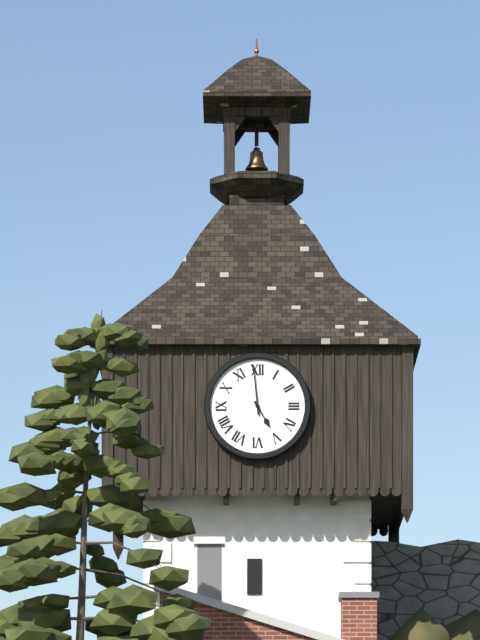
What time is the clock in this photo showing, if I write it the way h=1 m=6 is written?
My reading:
h=4 m=59
